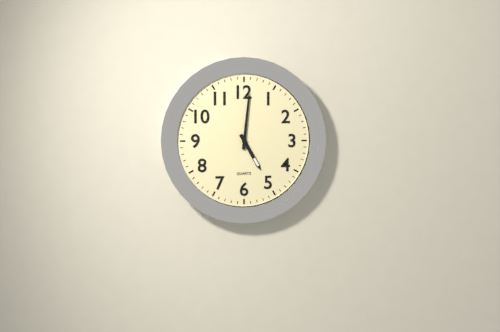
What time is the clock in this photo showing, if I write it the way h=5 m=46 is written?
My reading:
h=5 m=1
